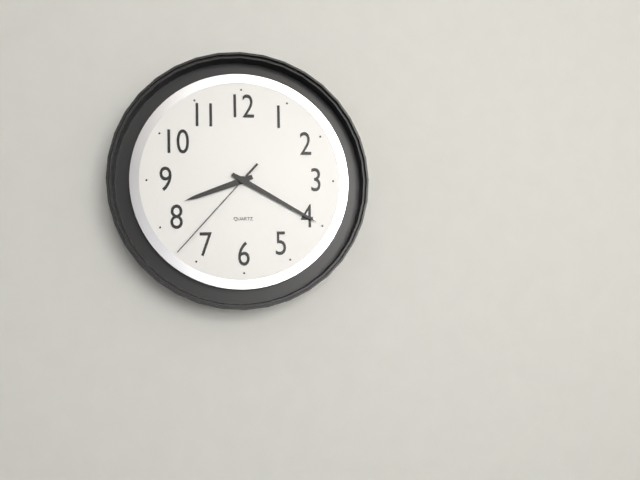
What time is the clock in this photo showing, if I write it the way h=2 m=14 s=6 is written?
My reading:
h=8 m=20 s=37
